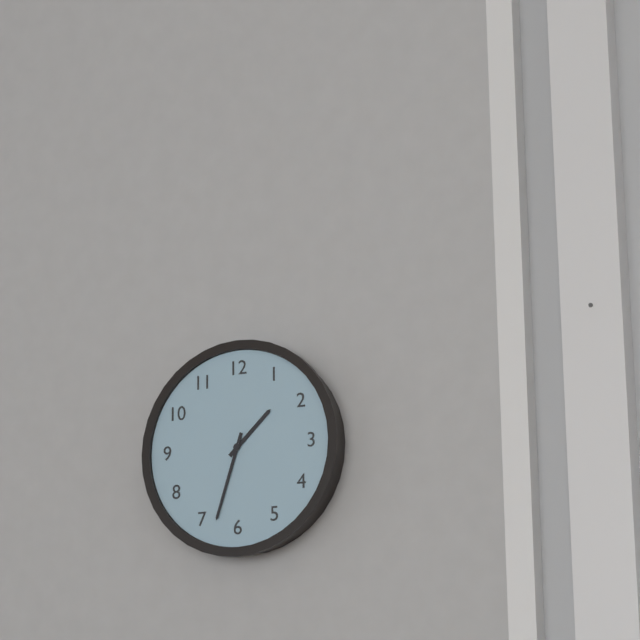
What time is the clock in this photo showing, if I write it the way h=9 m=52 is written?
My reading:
h=1 m=33
